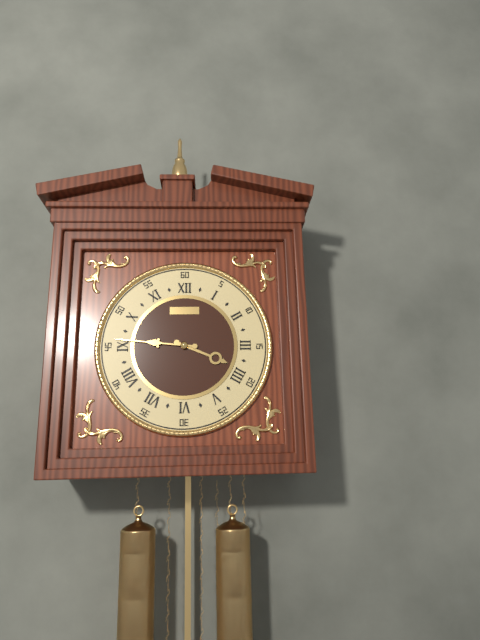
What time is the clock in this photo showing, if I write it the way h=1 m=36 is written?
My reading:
h=3 m=46
